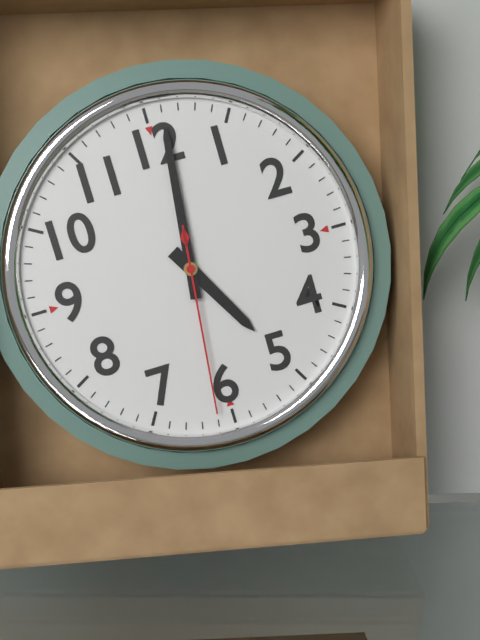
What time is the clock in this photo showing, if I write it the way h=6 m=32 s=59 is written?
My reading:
h=5 m=1 s=31
